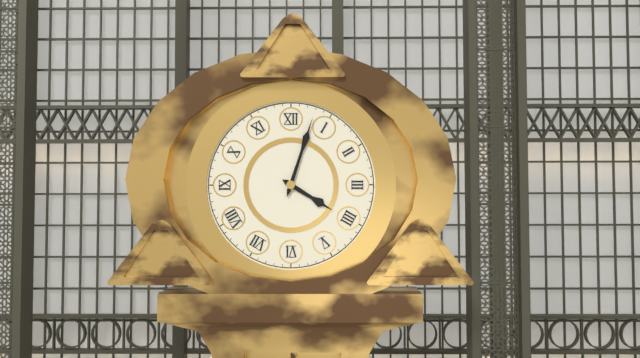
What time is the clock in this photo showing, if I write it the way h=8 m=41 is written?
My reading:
h=4 m=3
